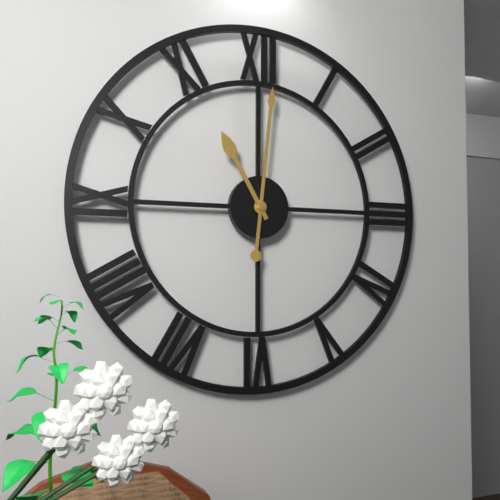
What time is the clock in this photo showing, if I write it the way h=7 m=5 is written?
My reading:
h=11 m=1
